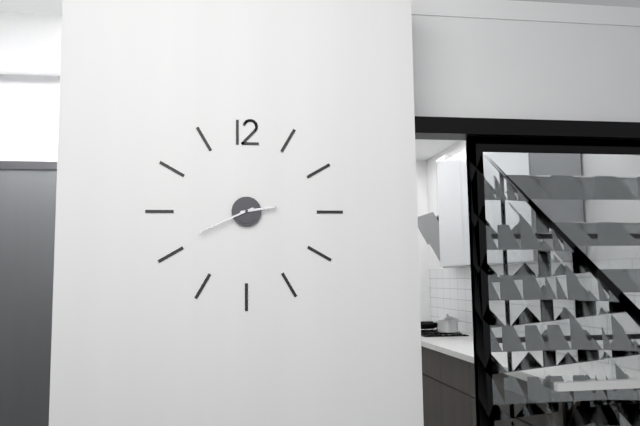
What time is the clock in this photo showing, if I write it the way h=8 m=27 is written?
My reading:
h=2 m=41
